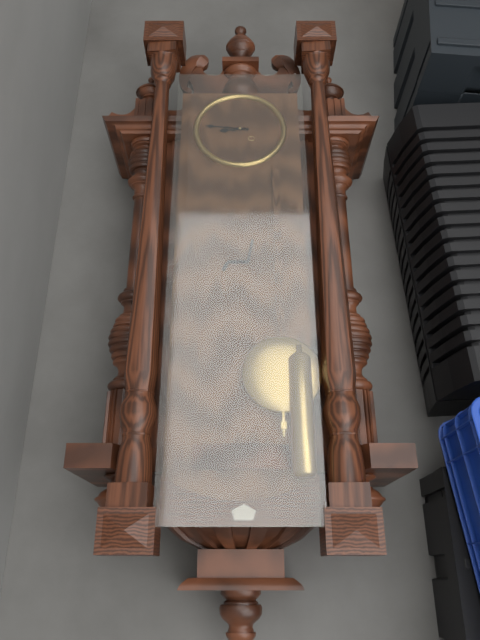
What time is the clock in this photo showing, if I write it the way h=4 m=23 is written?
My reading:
h=8 m=46
